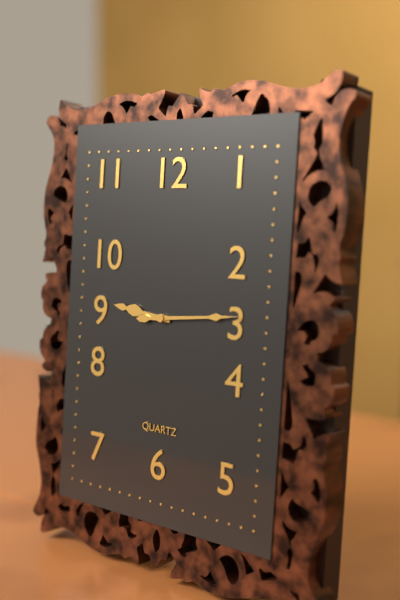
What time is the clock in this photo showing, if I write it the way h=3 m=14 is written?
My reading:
h=9 m=14
